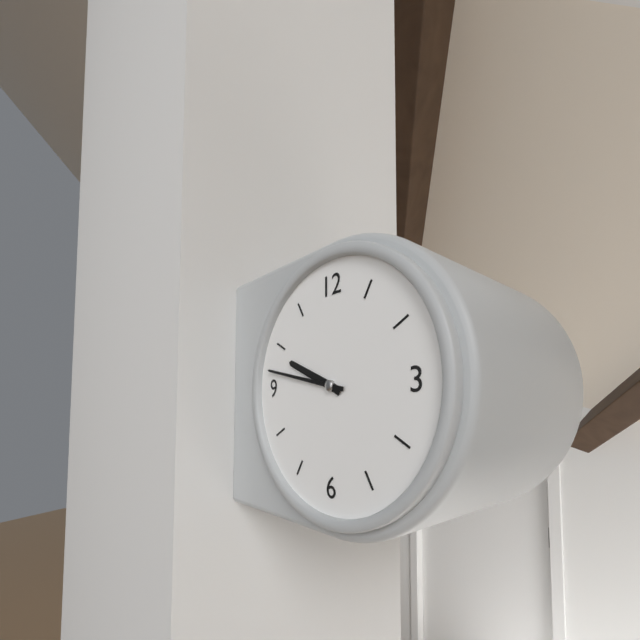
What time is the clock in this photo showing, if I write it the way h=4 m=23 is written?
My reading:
h=9 m=47
